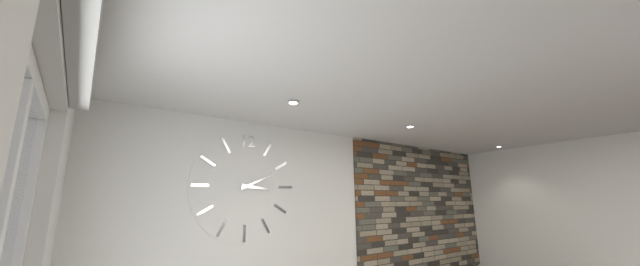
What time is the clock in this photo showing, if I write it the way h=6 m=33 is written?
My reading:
h=3 m=11
